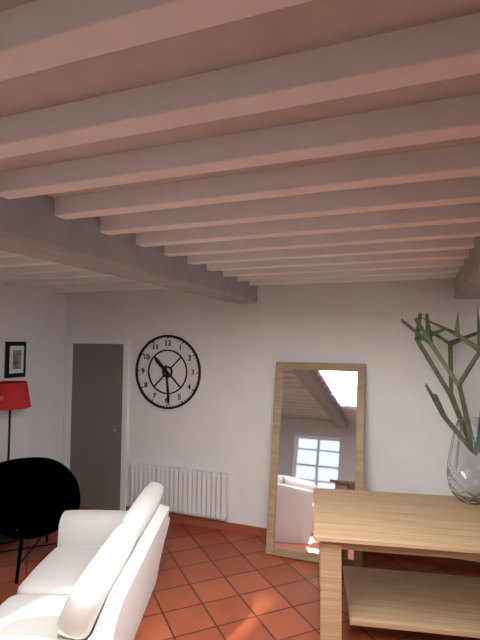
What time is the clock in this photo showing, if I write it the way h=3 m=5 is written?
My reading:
h=10 m=29
